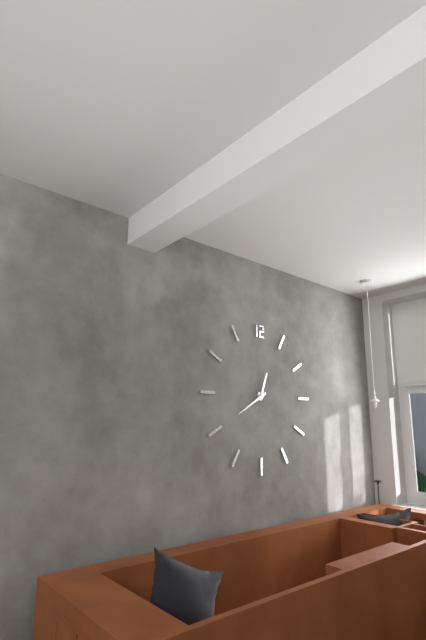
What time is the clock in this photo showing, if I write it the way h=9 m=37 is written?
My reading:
h=12 m=40
